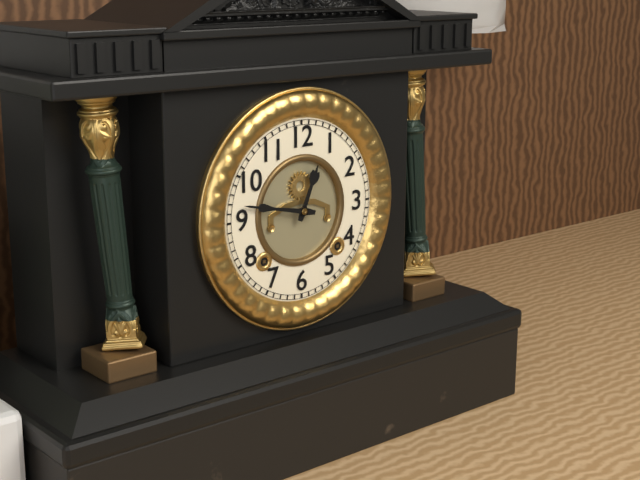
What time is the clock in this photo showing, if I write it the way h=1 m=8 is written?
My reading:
h=12 m=47
